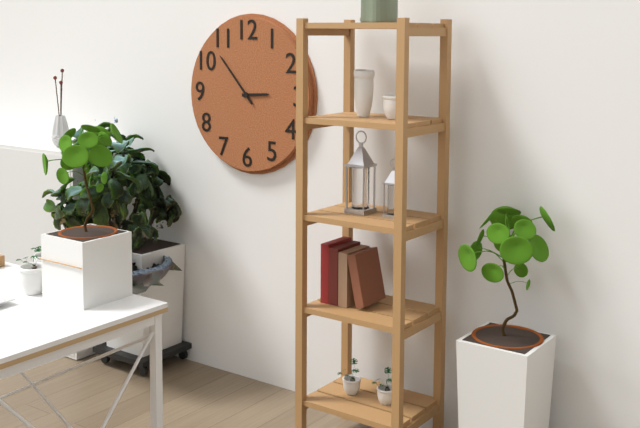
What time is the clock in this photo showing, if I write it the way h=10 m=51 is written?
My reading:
h=2 m=53
